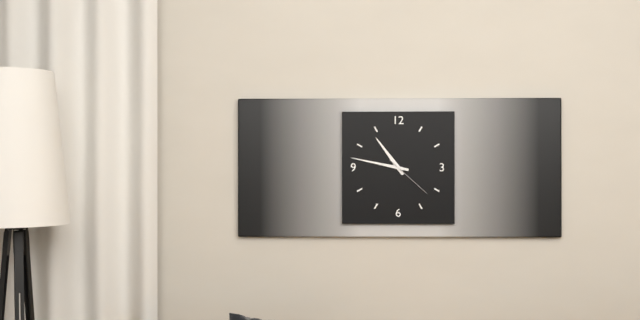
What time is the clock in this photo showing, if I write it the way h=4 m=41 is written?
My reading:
h=10 m=47
